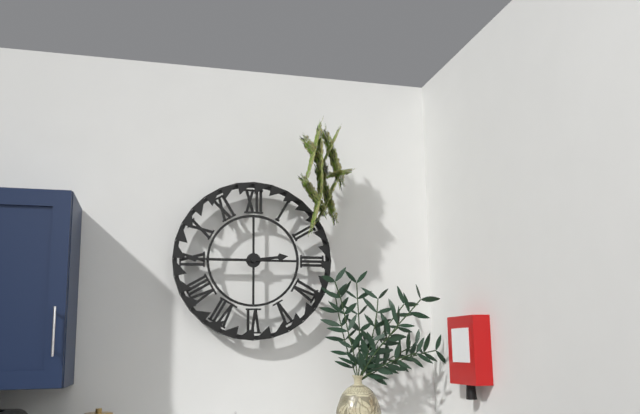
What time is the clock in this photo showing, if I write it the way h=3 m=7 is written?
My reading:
h=2 m=45
